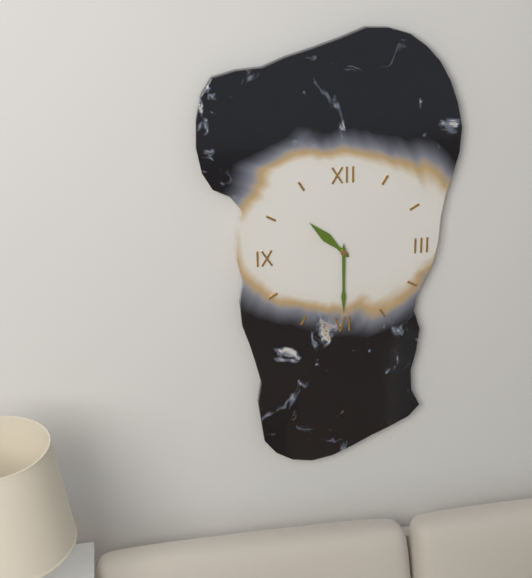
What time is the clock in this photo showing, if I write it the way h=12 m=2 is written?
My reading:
h=10 m=30
